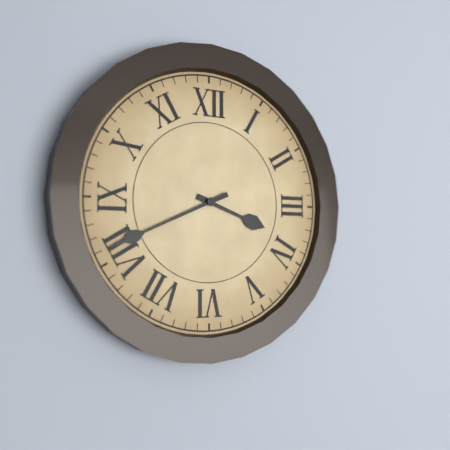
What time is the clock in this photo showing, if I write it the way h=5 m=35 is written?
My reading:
h=3 m=41
